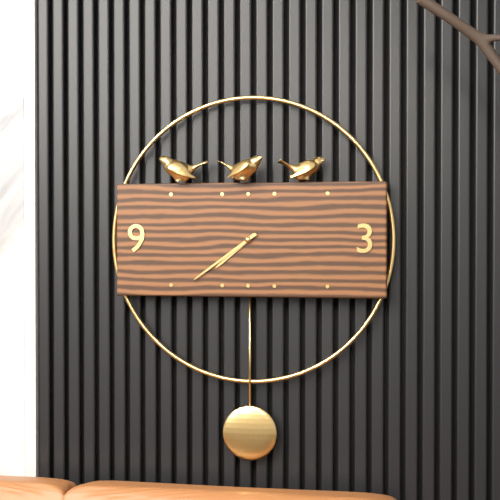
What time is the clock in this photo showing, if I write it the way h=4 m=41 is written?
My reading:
h=7 m=39
